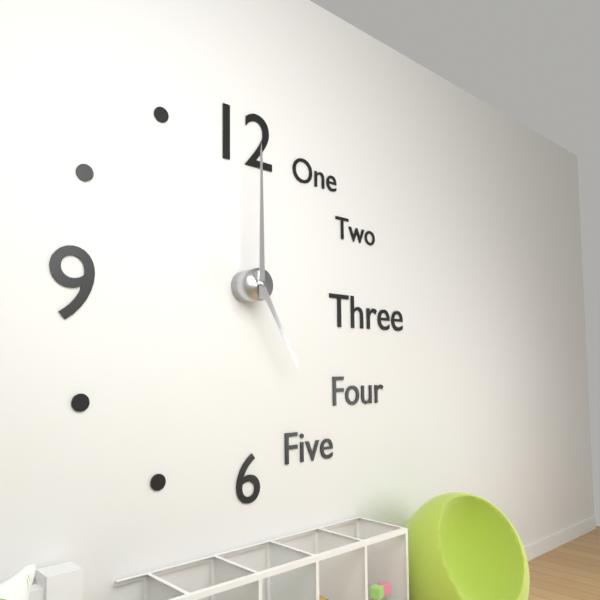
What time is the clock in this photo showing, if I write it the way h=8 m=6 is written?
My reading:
h=5 m=0
